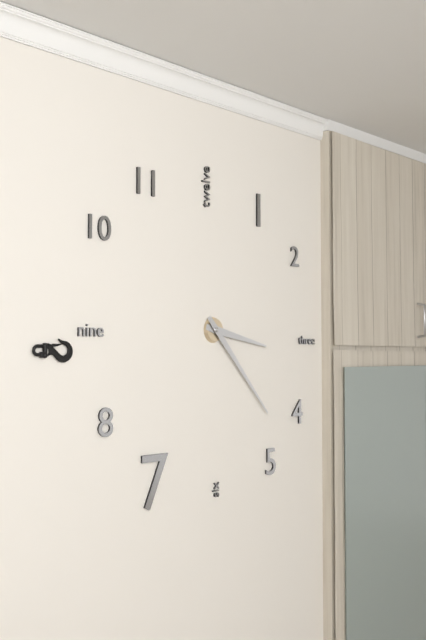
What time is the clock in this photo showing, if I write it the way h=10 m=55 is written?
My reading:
h=3 m=23
